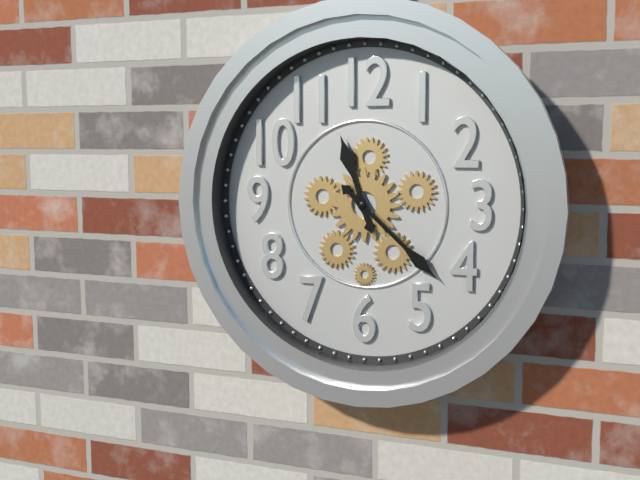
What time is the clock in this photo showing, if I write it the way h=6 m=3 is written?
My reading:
h=11 m=22
